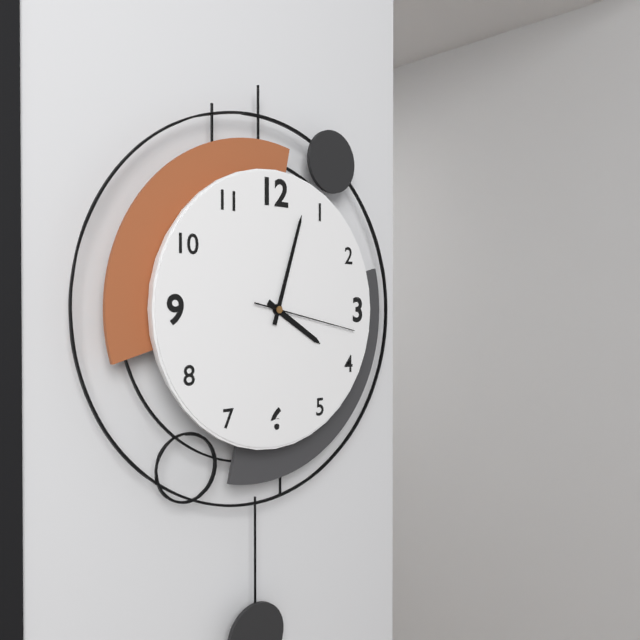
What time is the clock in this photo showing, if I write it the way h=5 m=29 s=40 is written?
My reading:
h=4 m=3 s=17
